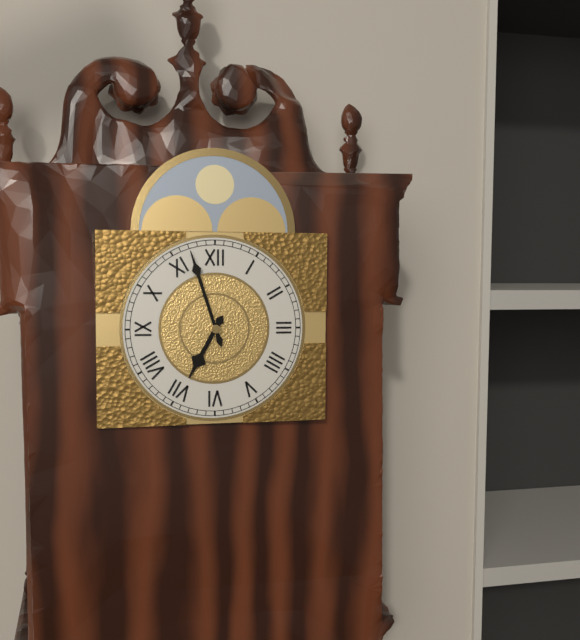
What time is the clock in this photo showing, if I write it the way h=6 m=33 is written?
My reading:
h=6 m=57
